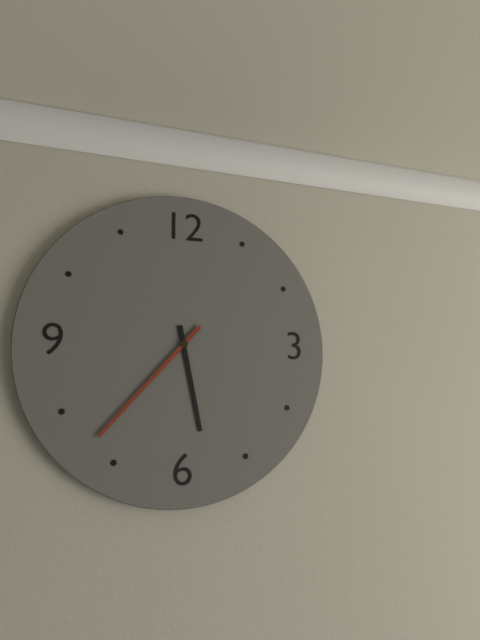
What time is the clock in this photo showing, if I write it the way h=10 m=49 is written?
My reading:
h=5 m=37
